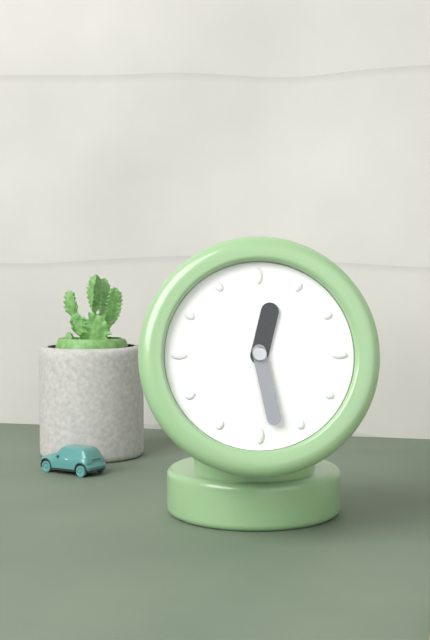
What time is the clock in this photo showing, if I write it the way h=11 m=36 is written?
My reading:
h=12 m=28
